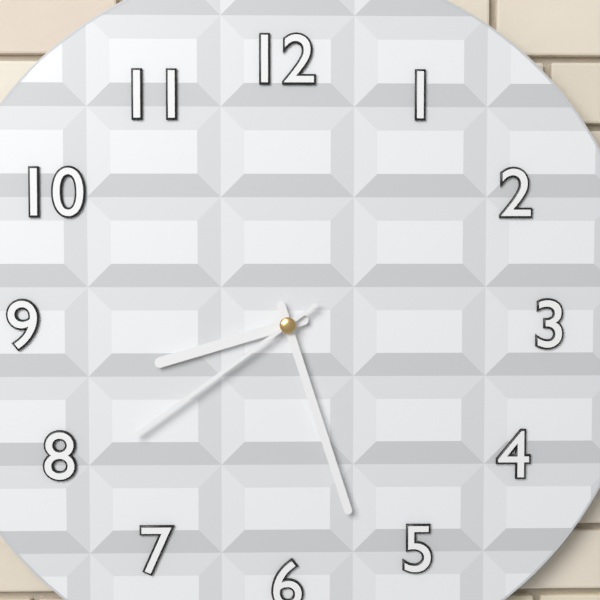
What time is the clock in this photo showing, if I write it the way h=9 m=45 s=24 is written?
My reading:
h=8 m=27 s=39
